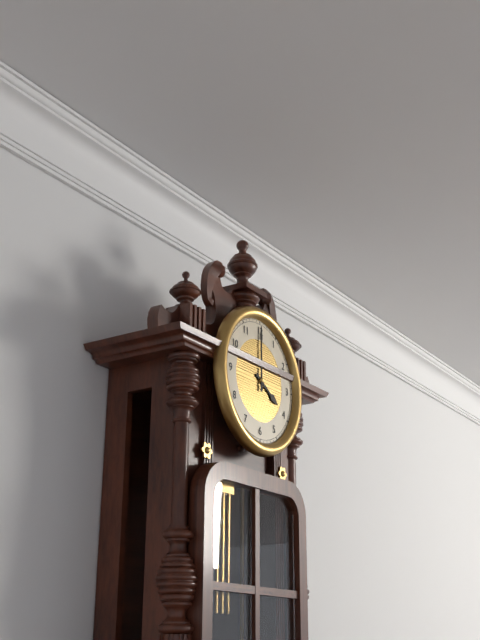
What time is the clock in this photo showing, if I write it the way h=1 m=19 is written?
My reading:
h=4 m=0
